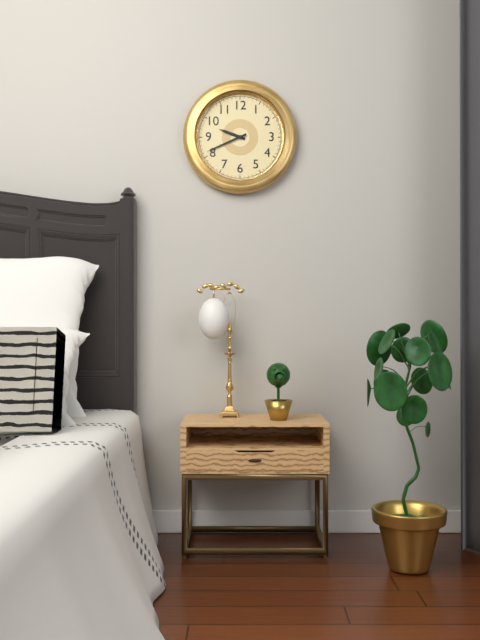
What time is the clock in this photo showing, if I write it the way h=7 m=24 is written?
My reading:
h=9 m=41
